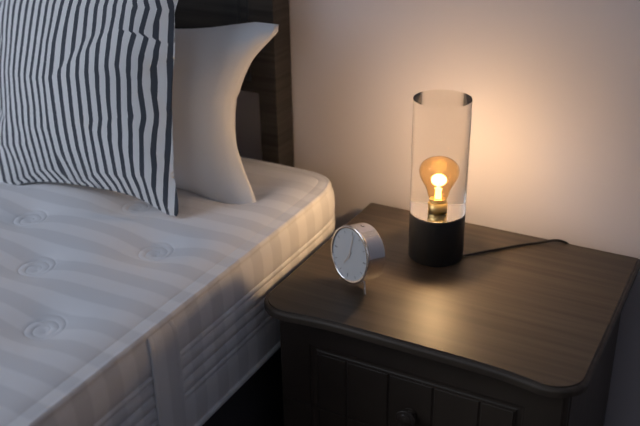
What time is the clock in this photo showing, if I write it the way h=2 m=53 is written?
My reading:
h=7 m=1
